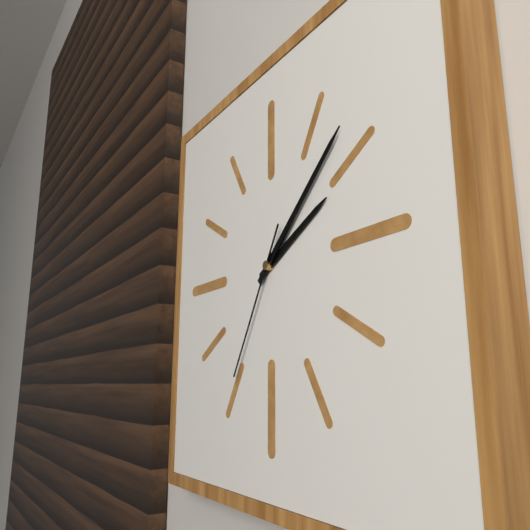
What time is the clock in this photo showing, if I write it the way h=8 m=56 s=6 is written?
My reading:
h=2 m=8 s=35
